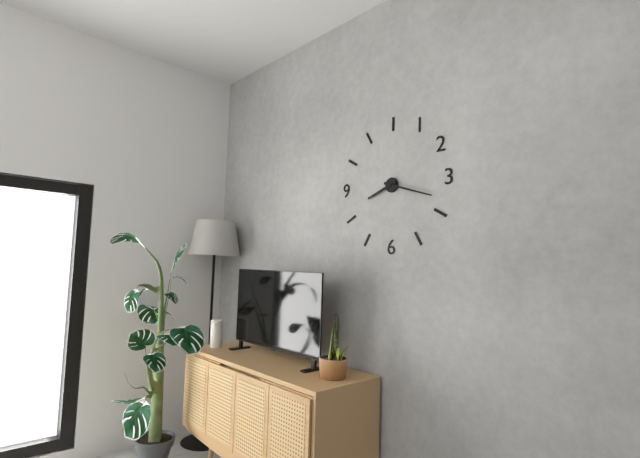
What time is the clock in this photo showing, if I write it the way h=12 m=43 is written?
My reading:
h=8 m=18
